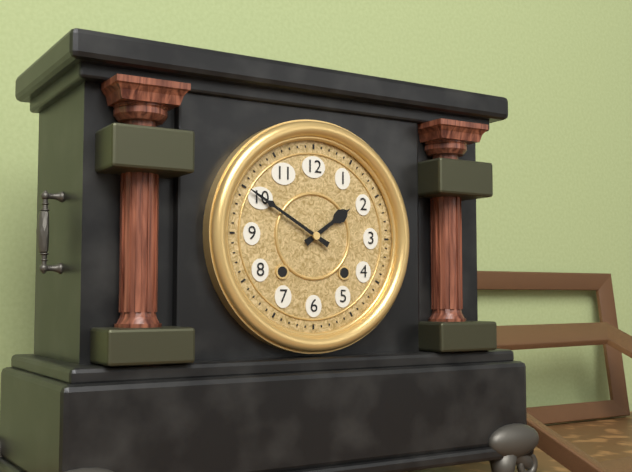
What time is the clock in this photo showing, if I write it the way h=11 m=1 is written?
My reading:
h=1 m=50
